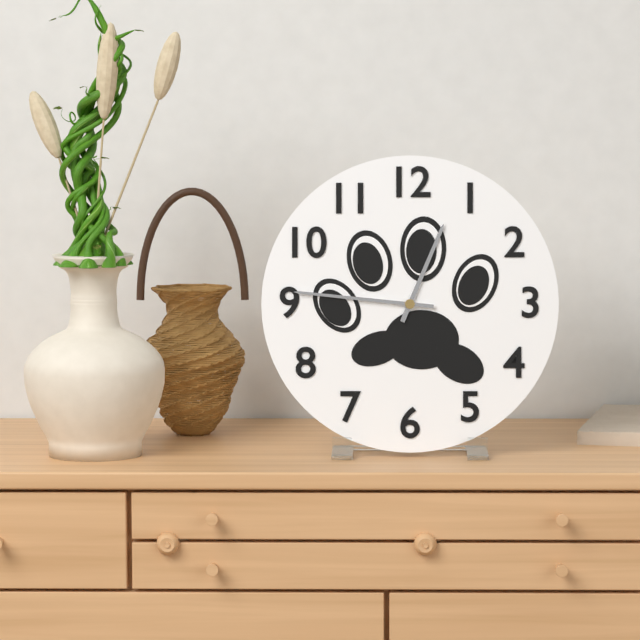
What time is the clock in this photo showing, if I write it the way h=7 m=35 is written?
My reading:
h=12 m=46
